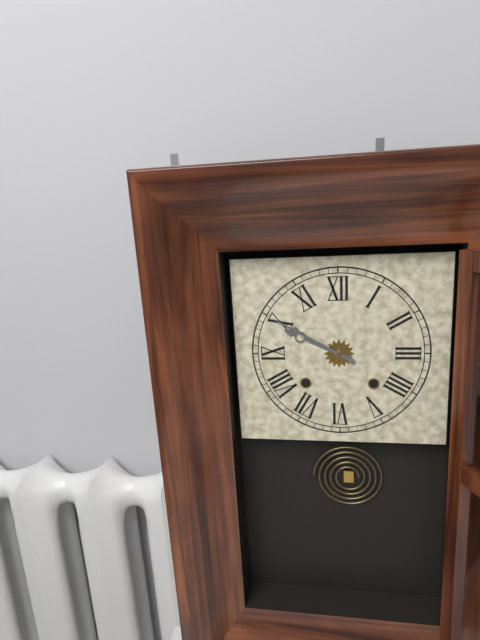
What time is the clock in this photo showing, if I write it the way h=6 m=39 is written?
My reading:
h=9 m=50
